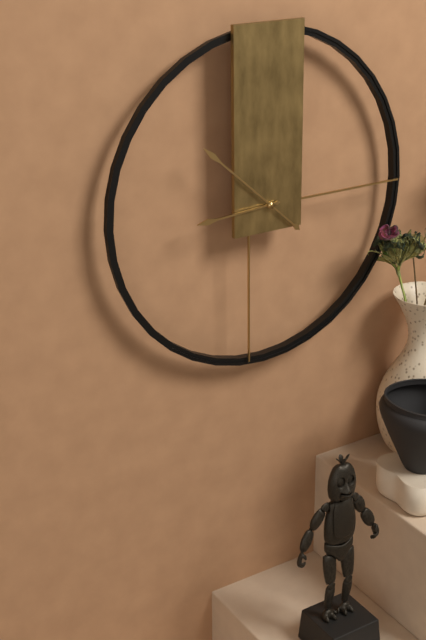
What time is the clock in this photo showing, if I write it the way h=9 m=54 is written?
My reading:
h=8 m=52
